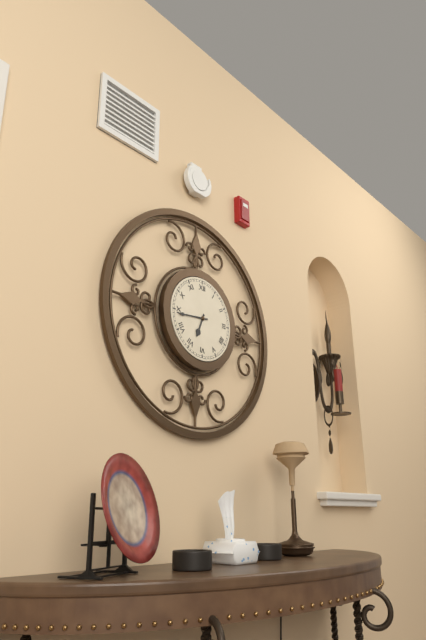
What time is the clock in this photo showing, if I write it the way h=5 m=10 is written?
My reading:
h=6 m=44
